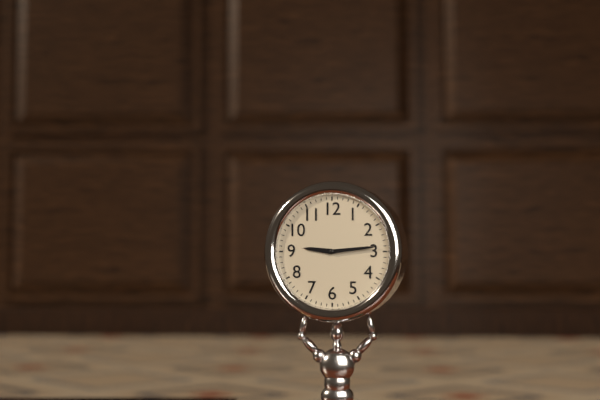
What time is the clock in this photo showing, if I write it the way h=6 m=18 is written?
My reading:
h=9 m=14
